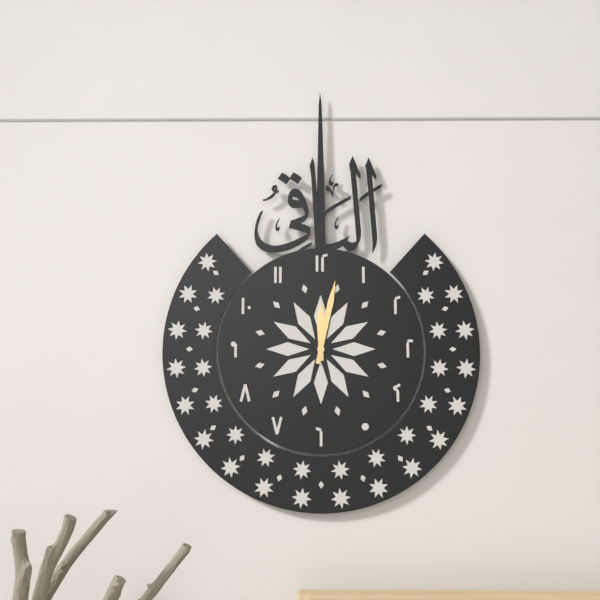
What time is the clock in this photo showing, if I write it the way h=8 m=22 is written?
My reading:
h=12 m=2
